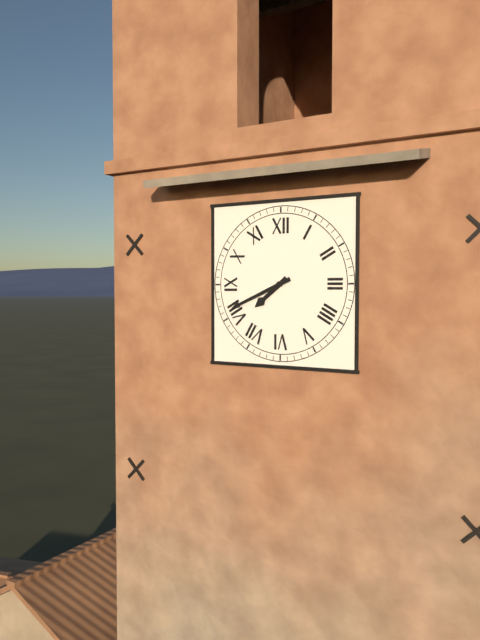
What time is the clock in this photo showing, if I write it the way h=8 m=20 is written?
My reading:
h=7 m=41
